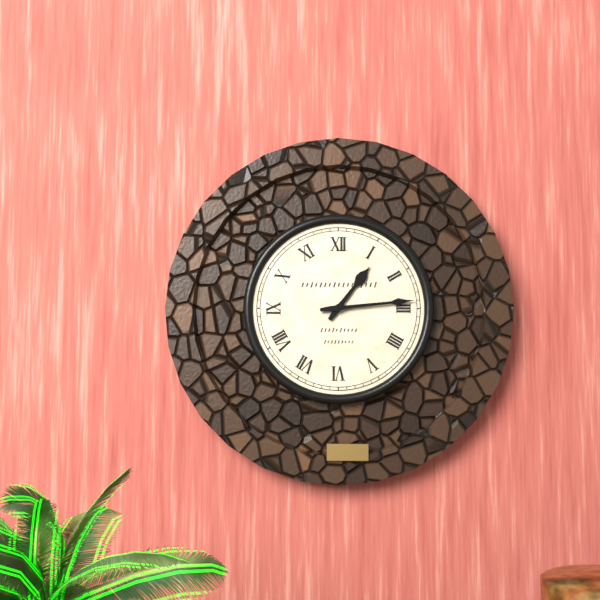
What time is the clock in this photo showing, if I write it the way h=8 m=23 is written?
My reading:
h=1 m=14
